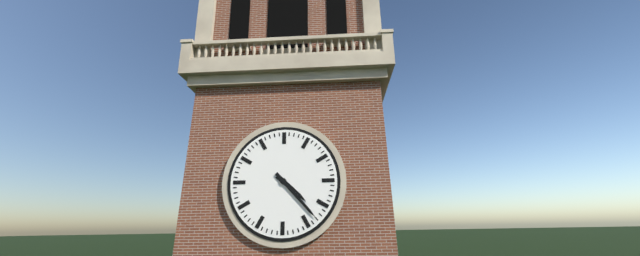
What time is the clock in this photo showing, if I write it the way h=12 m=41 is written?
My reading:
h=4 m=23
